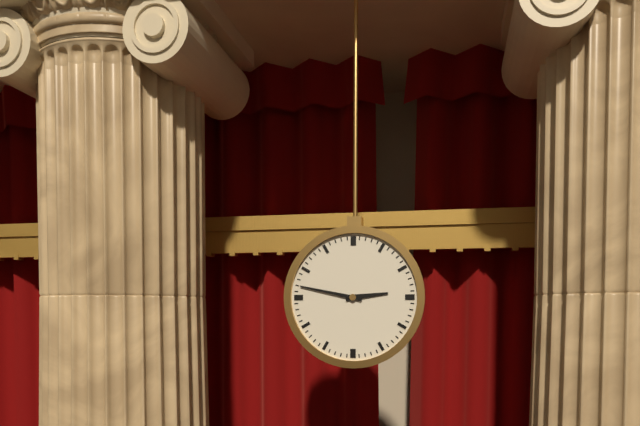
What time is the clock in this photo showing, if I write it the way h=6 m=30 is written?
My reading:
h=2 m=47
